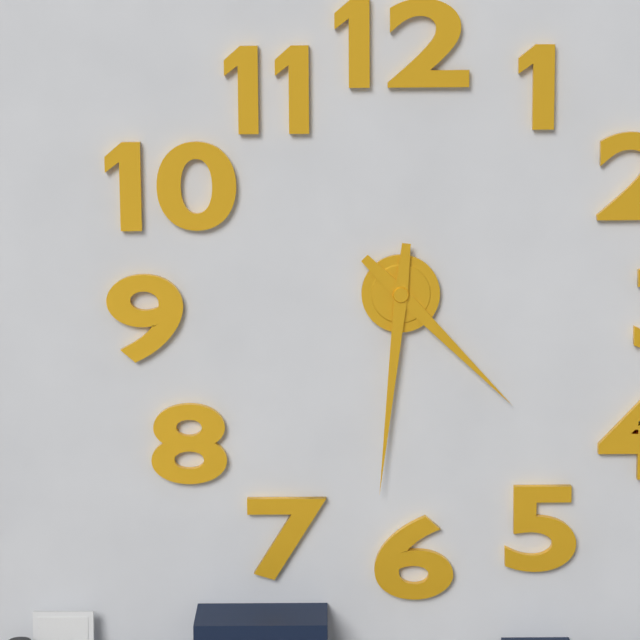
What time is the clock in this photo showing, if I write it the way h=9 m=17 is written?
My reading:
h=4 m=31
